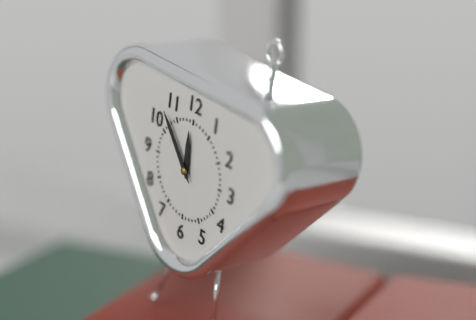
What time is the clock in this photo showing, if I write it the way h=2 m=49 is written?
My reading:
h=11 m=53
